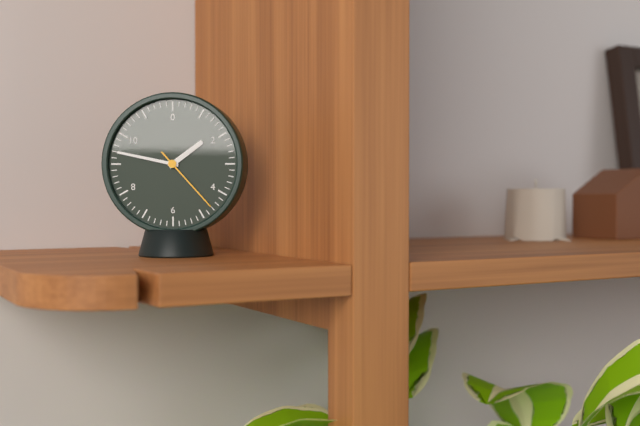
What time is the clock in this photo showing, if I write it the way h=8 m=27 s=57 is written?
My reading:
h=1 m=47 s=23
